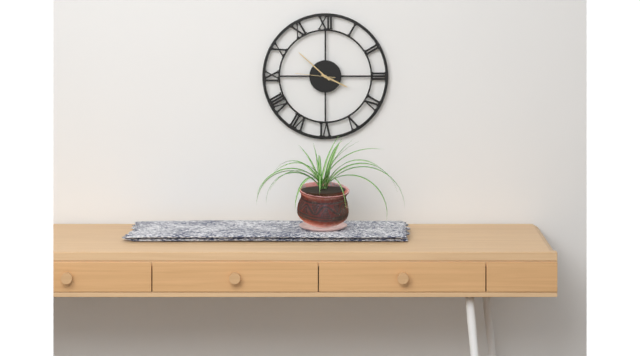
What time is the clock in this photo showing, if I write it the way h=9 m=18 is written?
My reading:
h=3 m=52
